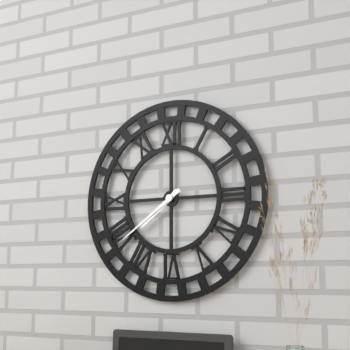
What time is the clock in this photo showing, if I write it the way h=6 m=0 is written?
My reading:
h=7 m=39
